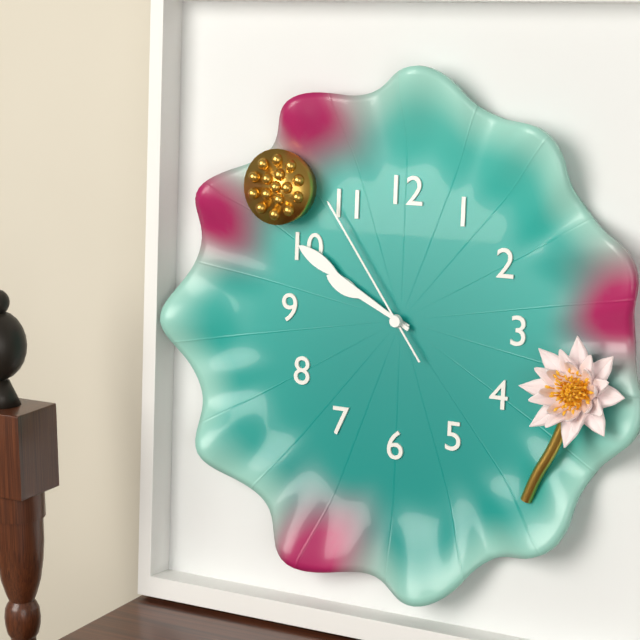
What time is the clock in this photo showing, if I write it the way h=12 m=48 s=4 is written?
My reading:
h=9 m=50 s=54
